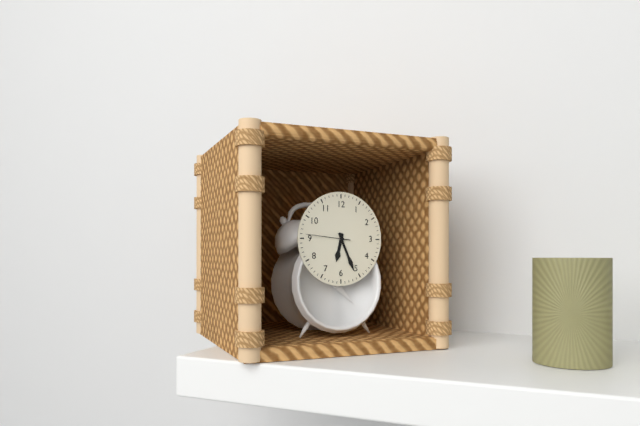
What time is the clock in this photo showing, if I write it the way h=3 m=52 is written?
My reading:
h=6 m=26
